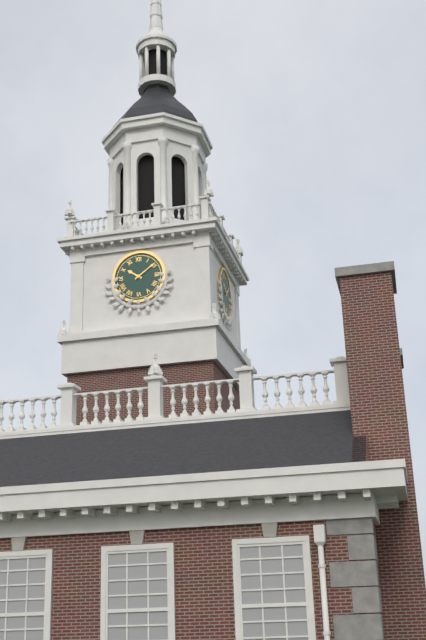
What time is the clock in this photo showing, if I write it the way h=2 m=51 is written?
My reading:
h=10 m=9
